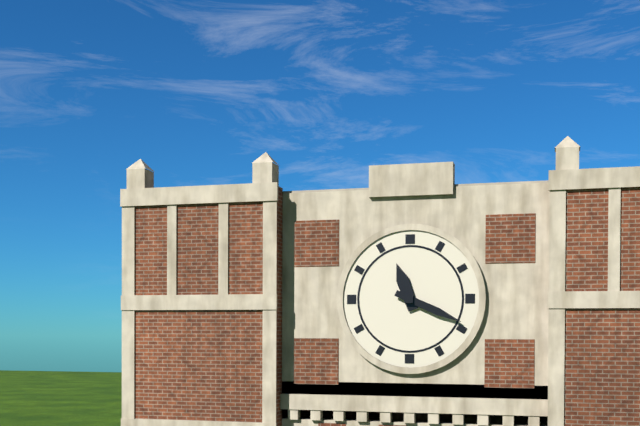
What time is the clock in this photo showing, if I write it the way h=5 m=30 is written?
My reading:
h=11 m=19
